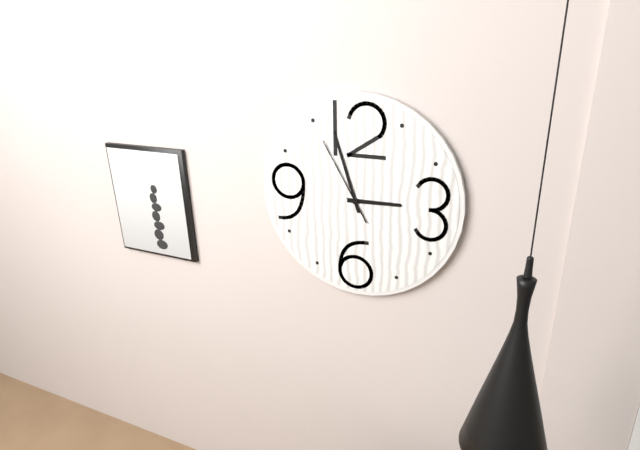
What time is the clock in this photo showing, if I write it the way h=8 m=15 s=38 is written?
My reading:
h=2 m=57 s=55
